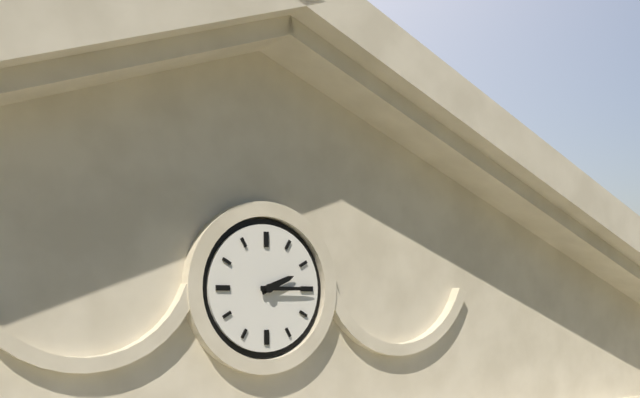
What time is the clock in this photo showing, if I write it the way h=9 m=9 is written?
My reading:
h=2 m=15
